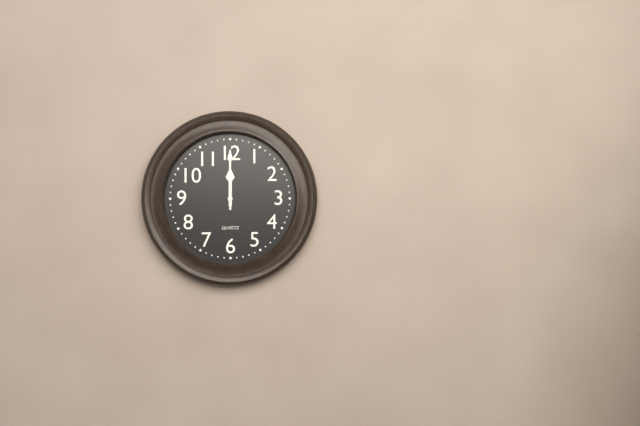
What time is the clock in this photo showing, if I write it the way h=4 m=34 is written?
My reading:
h=12 m=0
